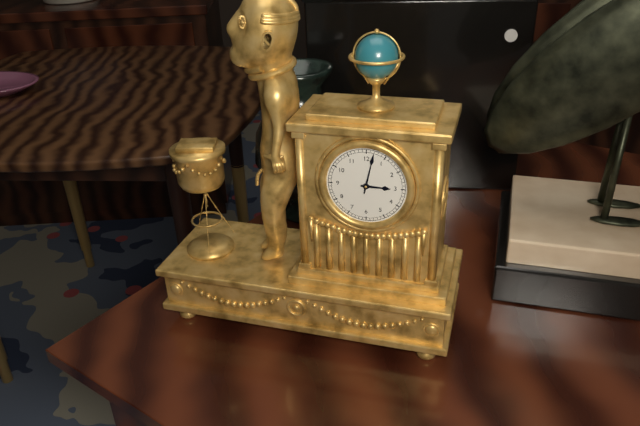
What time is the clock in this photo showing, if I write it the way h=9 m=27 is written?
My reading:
h=3 m=2
